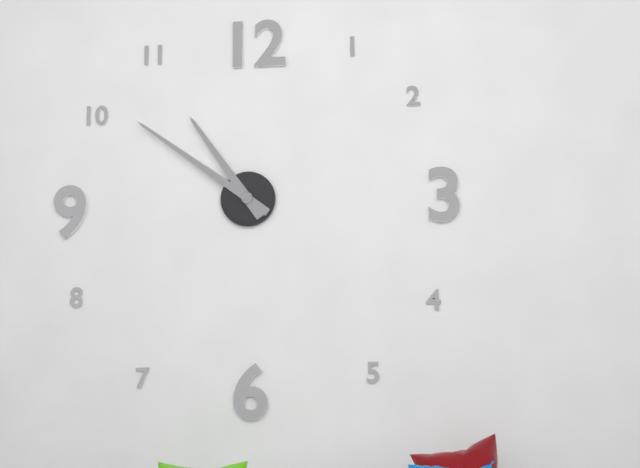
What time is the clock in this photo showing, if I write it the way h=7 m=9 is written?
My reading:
h=10 m=51
